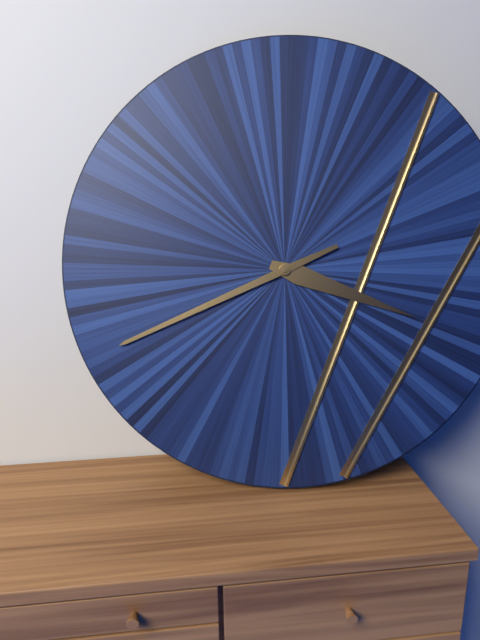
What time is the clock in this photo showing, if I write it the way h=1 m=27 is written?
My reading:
h=3 m=41
